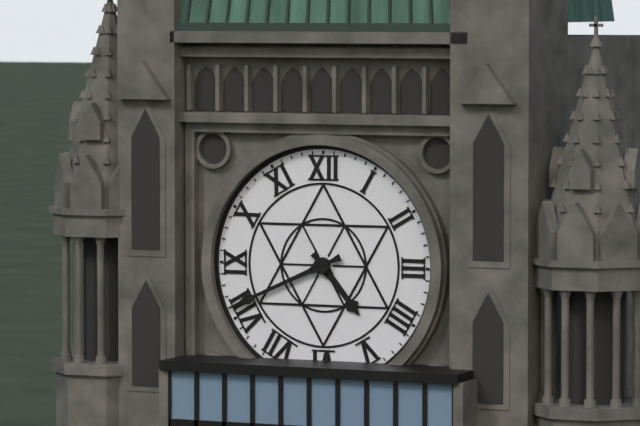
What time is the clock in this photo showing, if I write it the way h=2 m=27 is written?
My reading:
h=4 m=41
